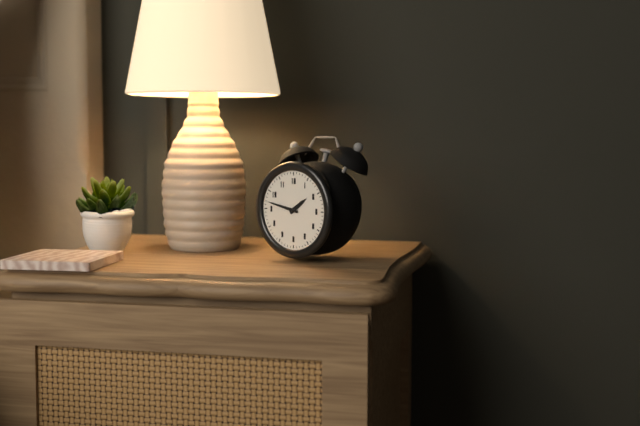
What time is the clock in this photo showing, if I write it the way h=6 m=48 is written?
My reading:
h=1 m=47
